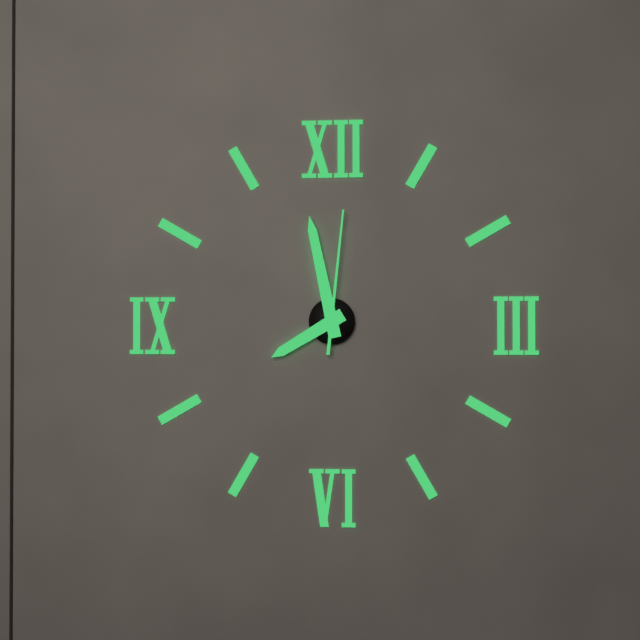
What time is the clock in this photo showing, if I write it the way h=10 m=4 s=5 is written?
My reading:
h=7 m=58 s=1
